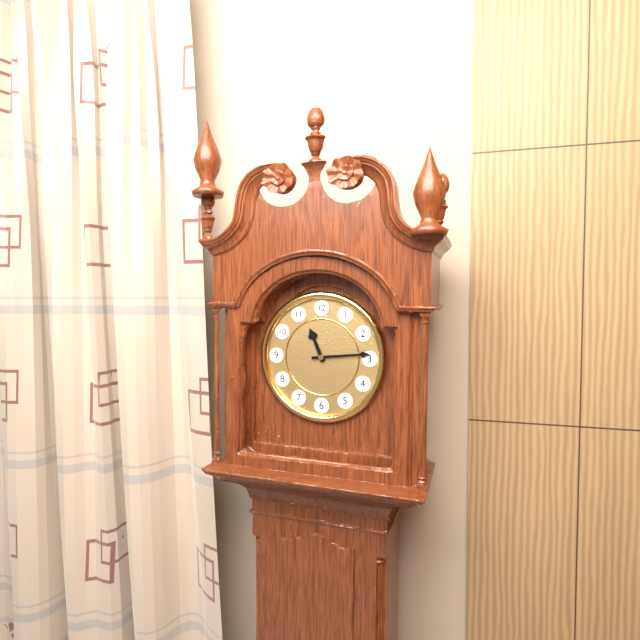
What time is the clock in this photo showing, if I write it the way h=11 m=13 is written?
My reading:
h=11 m=14
